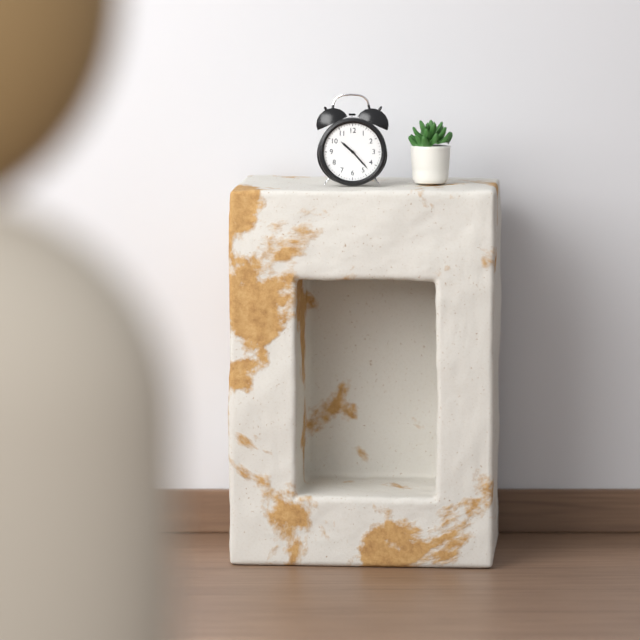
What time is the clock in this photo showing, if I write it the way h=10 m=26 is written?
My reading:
h=10 m=23
